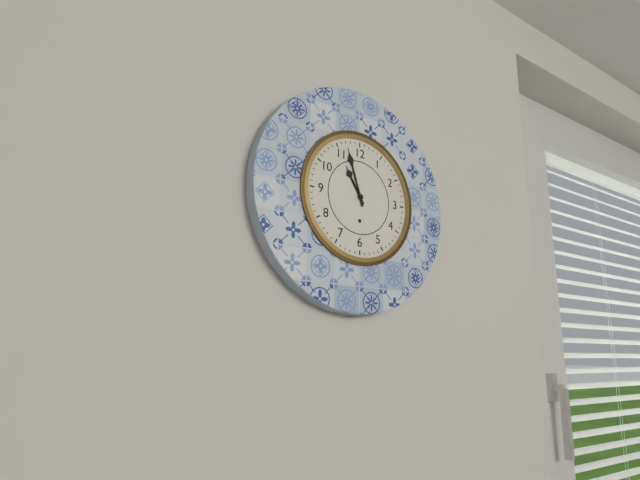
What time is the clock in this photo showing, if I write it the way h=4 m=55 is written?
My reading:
h=10 m=57
